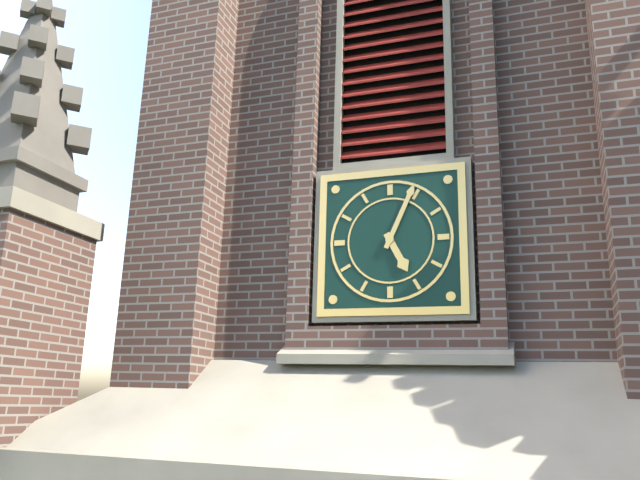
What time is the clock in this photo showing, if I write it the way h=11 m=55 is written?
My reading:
h=5 m=4
